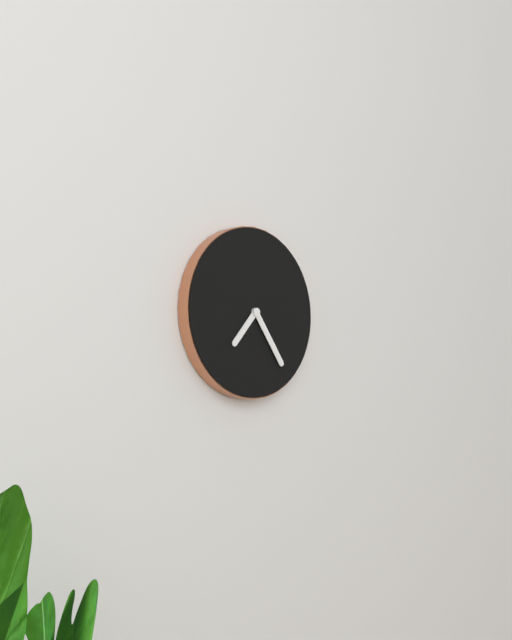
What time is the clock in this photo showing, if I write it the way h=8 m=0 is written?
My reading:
h=7 m=24
